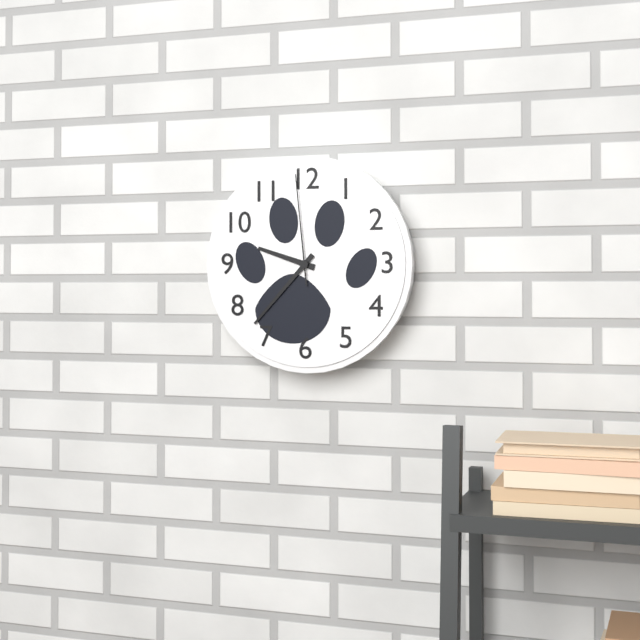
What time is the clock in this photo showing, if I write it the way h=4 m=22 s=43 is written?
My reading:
h=9 m=37 s=59
